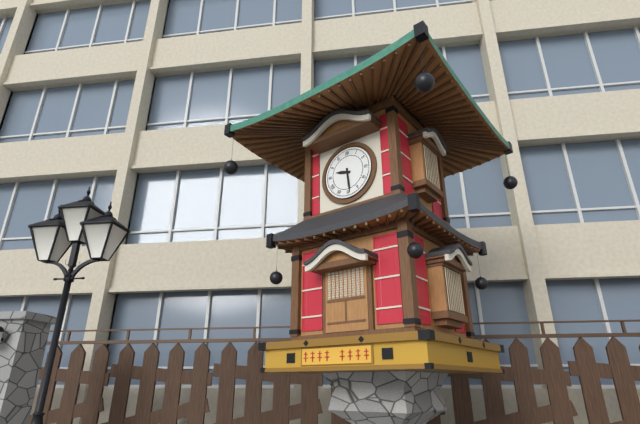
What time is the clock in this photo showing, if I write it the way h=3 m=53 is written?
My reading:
h=9 m=29
